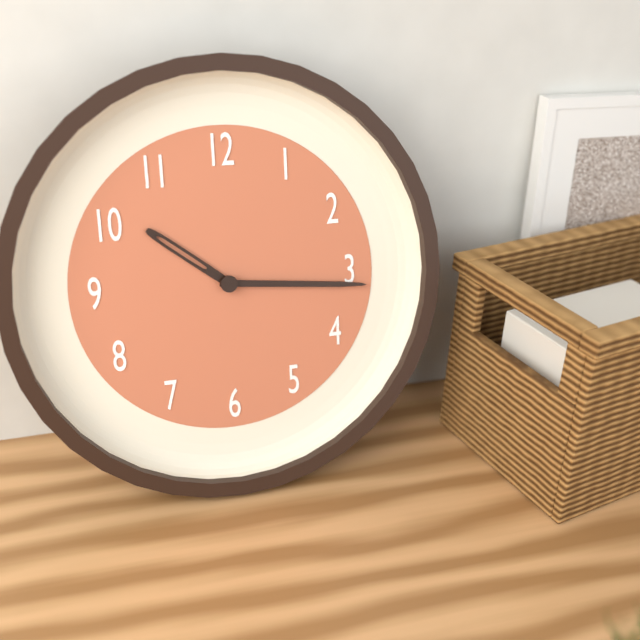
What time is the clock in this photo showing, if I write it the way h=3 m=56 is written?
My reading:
h=10 m=16
